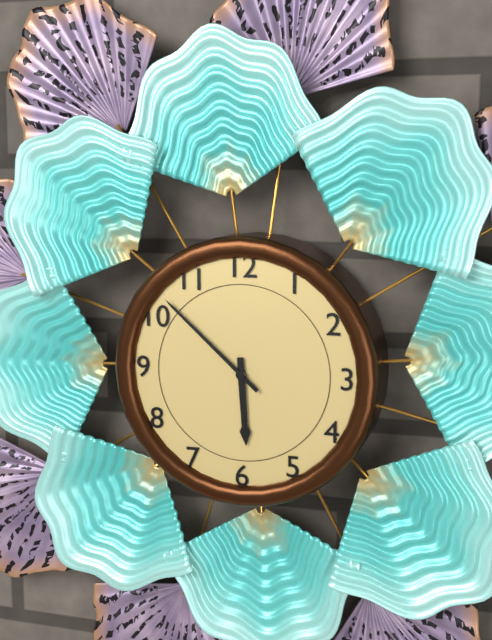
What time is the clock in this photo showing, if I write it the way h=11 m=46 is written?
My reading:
h=5 m=52
